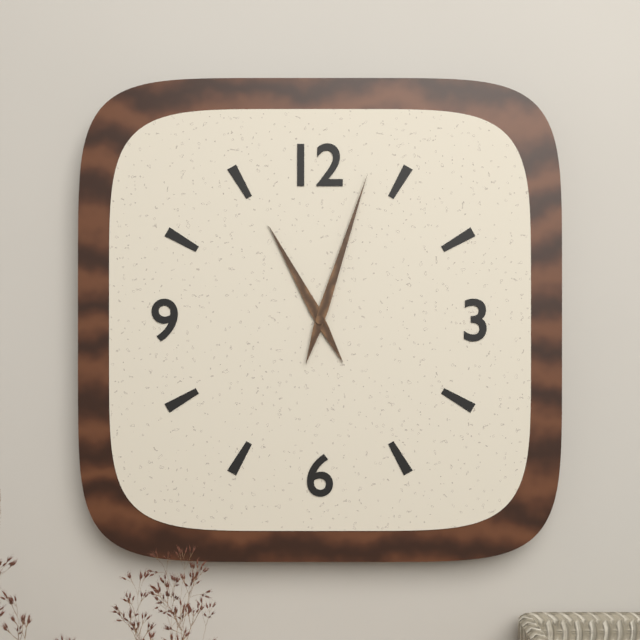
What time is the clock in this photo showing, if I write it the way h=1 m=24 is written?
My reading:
h=11 m=3
